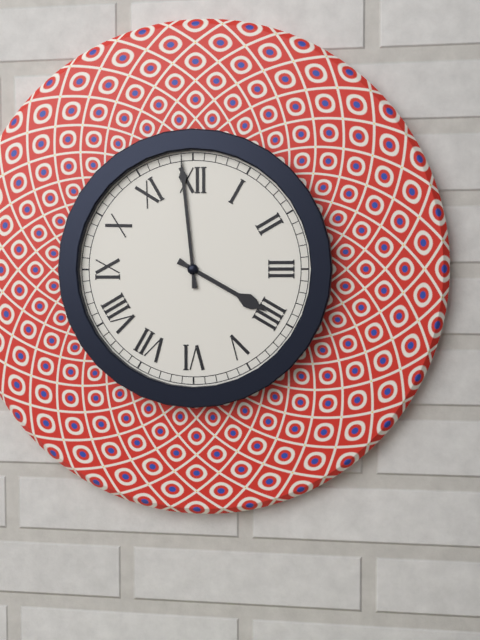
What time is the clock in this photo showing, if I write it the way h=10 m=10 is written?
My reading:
h=3 m=59
